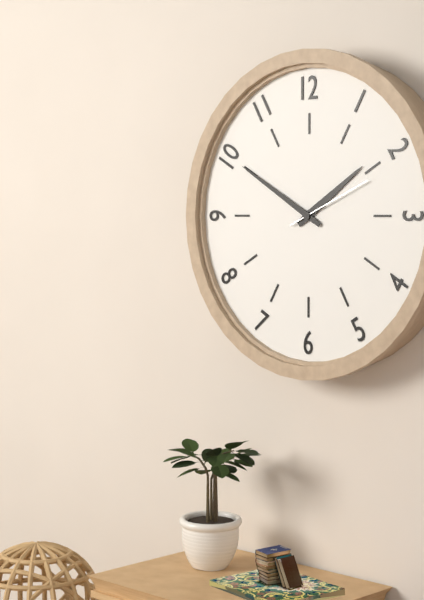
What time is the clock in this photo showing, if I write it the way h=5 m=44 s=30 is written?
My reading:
h=1 m=50 s=11
